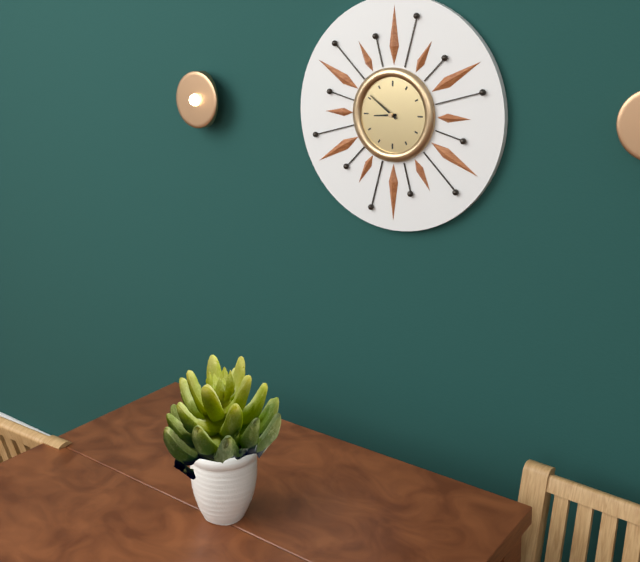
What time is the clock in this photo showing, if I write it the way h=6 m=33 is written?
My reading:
h=8 m=51
